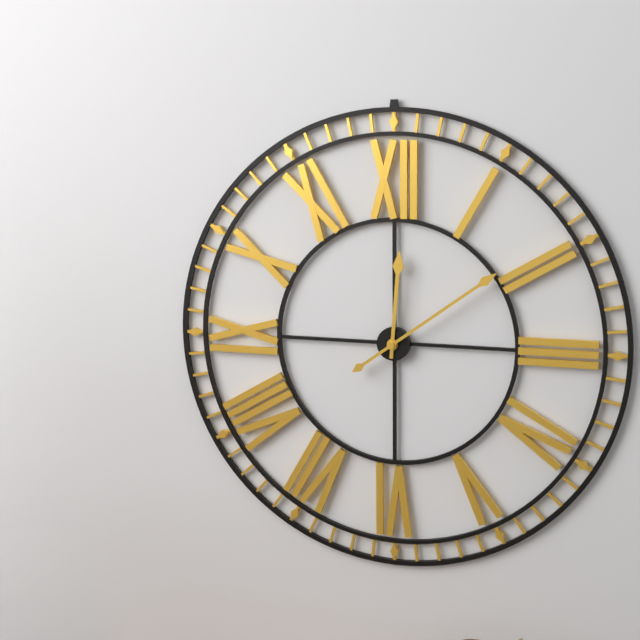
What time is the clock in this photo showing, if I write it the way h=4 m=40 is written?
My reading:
h=12 m=9
